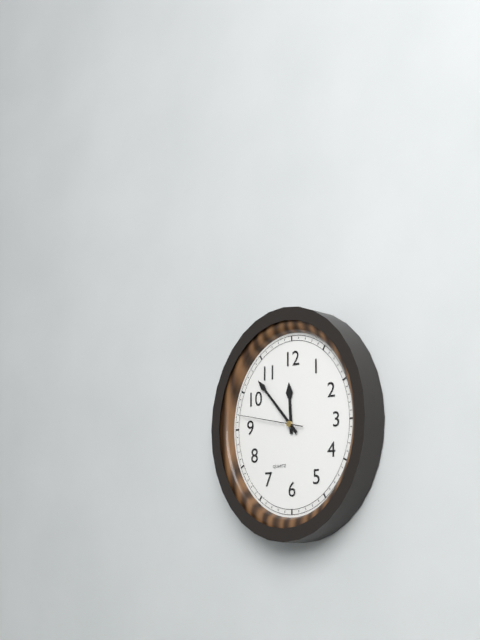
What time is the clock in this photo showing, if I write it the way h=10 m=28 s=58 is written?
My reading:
h=11 m=53 s=47
